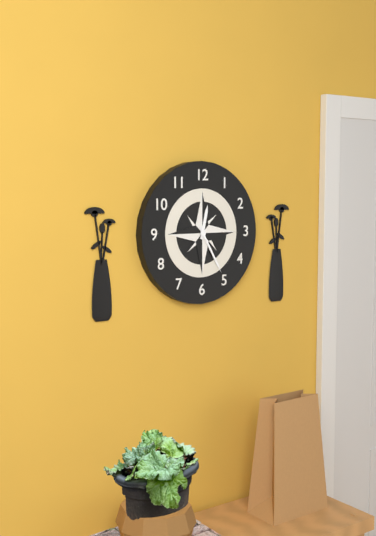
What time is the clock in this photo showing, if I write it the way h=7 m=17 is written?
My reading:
h=12 m=25
